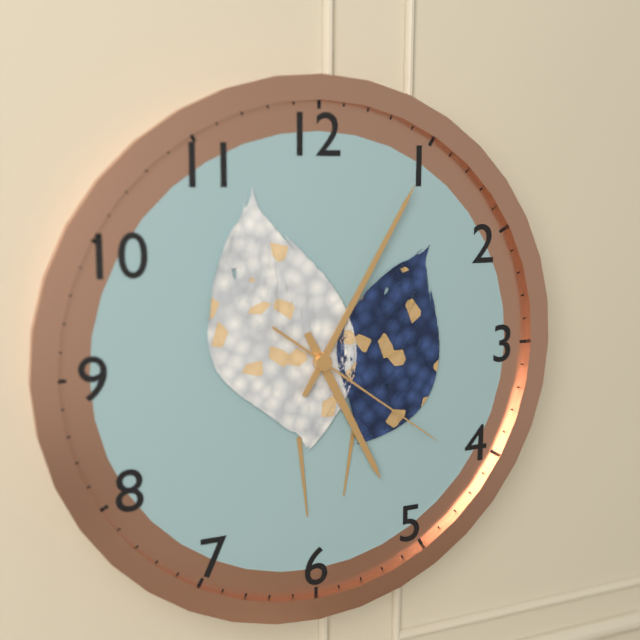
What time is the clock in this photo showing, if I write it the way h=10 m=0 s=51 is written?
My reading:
h=5 m=5 s=21
